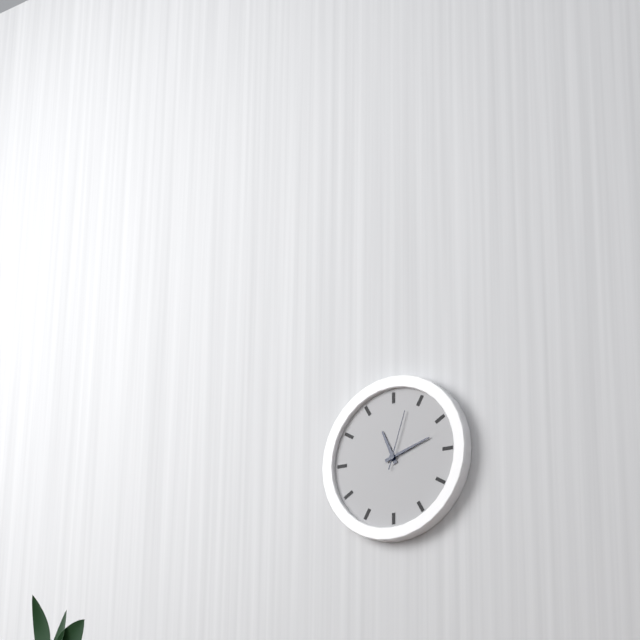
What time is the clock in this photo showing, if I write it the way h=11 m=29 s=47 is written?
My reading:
h=11 m=12 s=3
